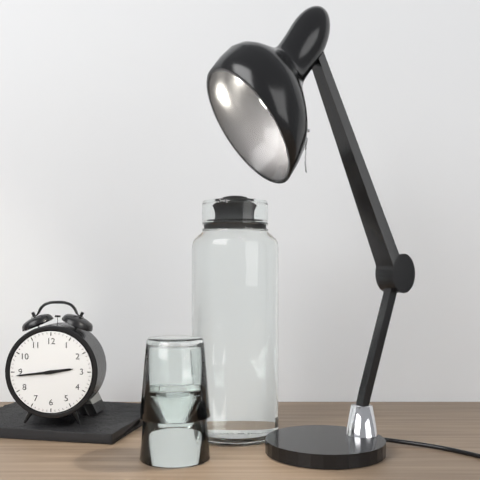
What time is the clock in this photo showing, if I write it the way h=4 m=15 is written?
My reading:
h=2 m=44
